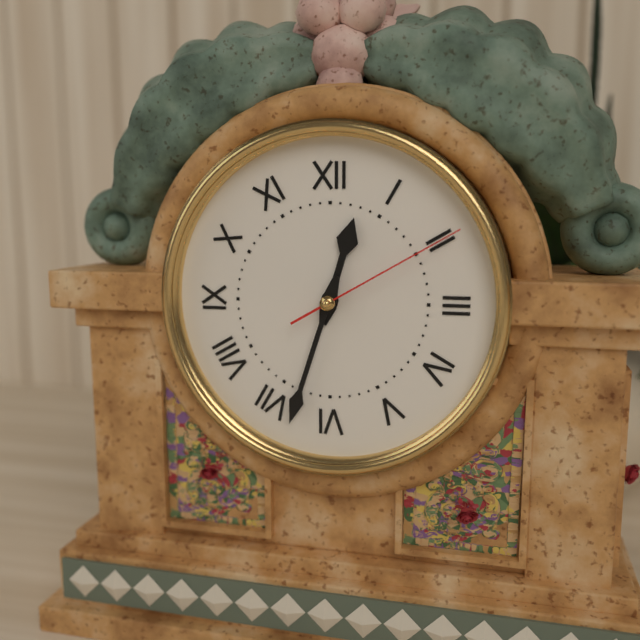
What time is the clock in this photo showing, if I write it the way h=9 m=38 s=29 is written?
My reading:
h=12 m=33 s=10
